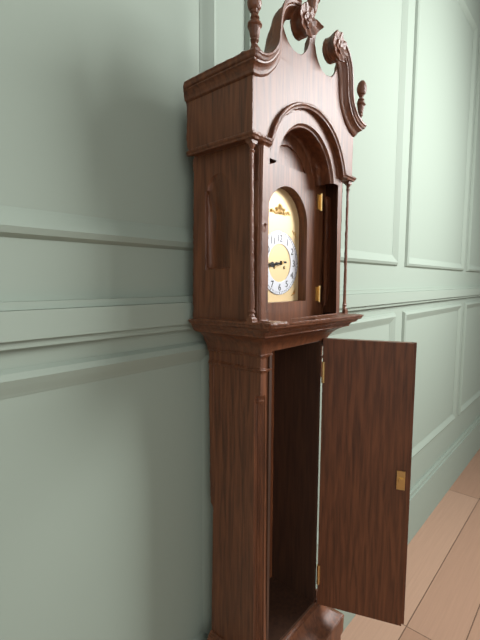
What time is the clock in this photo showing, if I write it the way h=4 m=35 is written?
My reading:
h=8 m=44
